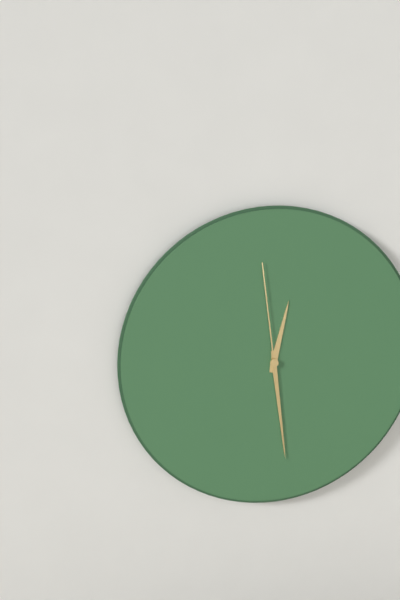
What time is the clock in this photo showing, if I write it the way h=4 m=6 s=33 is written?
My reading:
h=12 m=29 s=59
